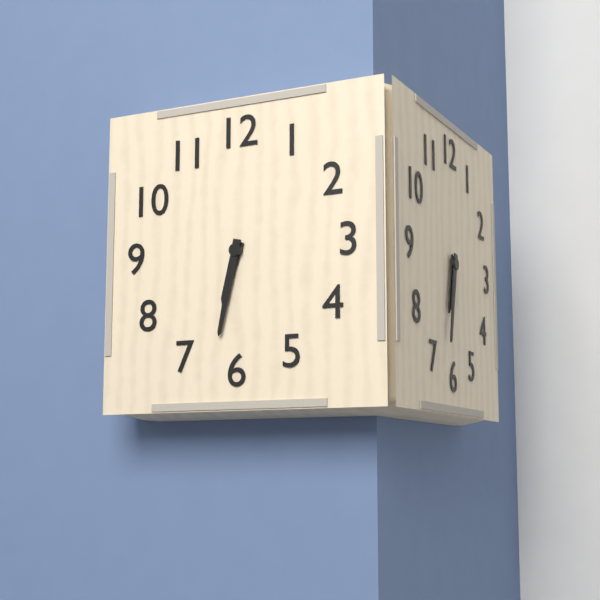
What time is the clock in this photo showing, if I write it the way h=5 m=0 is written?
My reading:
h=6 m=32
